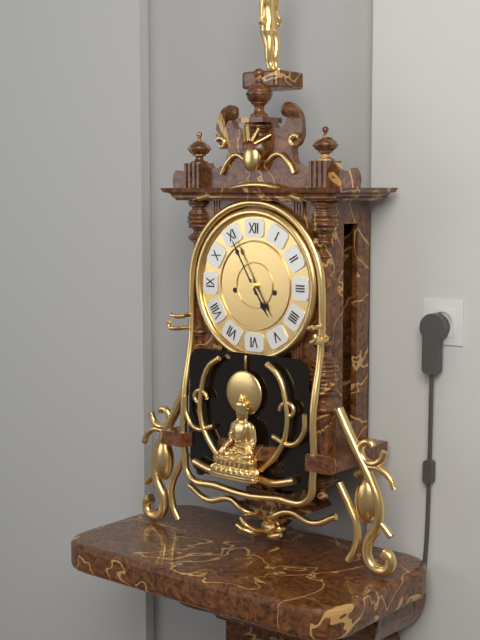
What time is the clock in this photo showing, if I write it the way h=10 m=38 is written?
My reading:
h=4 m=55
